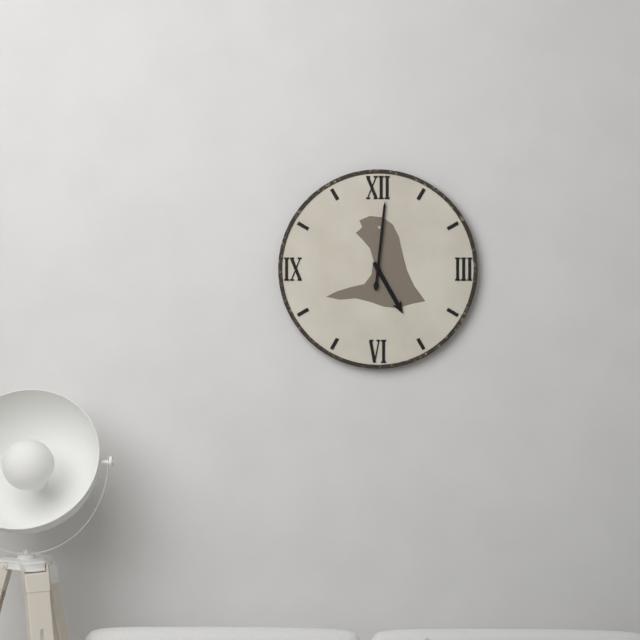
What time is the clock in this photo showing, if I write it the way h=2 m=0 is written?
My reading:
h=5 m=1
